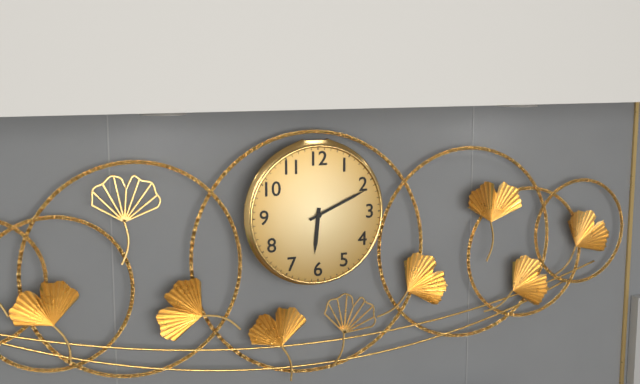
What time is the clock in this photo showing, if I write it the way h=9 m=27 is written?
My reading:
h=6 m=11
